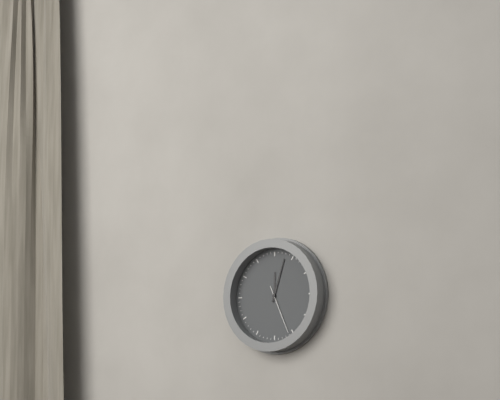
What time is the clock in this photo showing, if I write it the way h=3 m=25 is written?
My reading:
h=12 m=3
